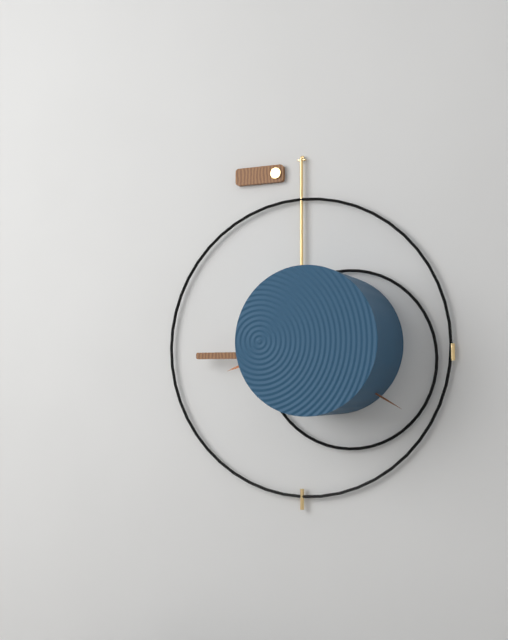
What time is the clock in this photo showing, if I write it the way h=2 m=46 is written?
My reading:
h=8 m=20
